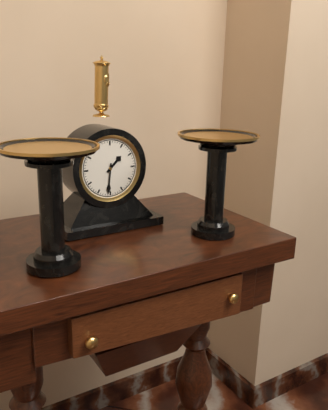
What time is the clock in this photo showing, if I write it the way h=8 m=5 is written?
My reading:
h=1 m=31
